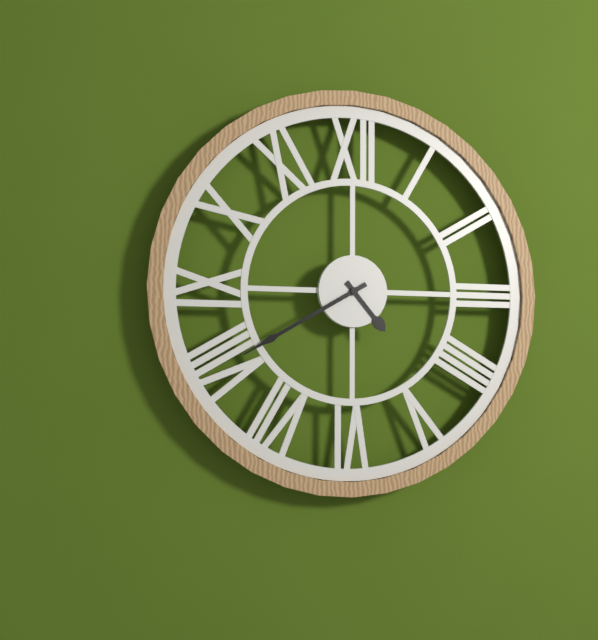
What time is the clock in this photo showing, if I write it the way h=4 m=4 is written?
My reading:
h=4 m=40
